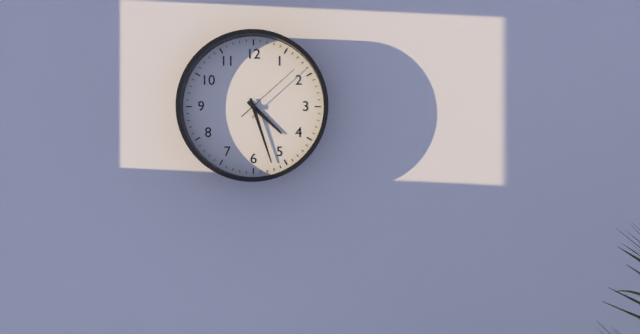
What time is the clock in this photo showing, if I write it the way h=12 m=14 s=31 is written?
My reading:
h=4 m=27 s=8
